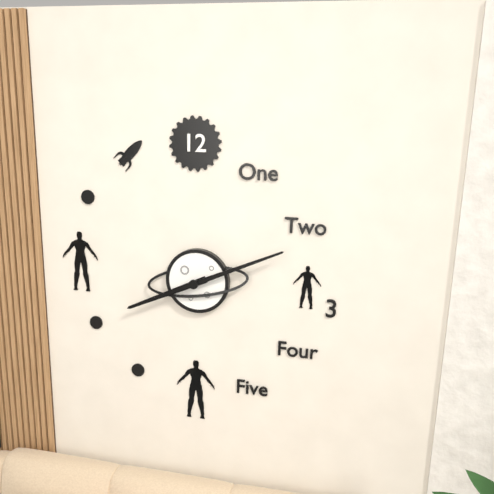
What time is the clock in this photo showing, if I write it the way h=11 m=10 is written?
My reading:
h=8 m=11
